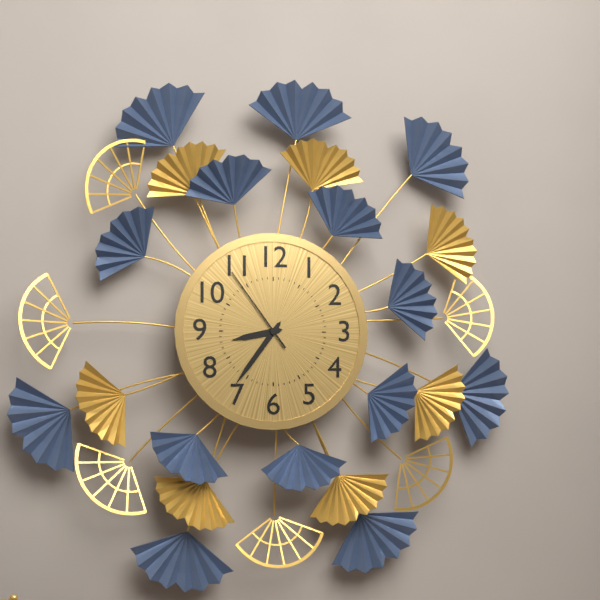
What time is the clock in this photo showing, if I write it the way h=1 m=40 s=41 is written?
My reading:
h=8 m=36 s=54
